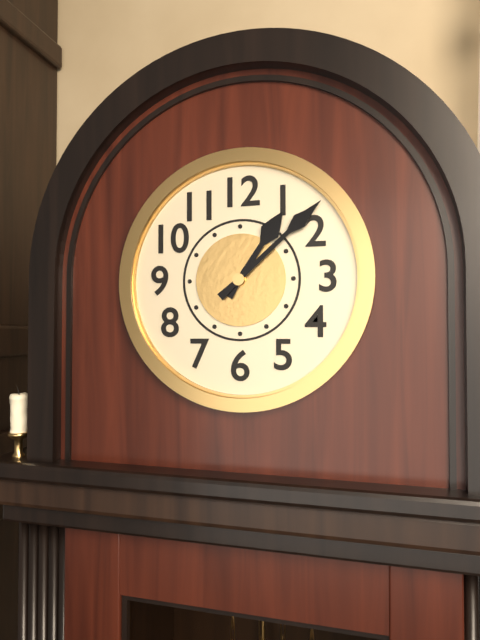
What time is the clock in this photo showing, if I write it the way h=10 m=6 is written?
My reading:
h=1 m=8
